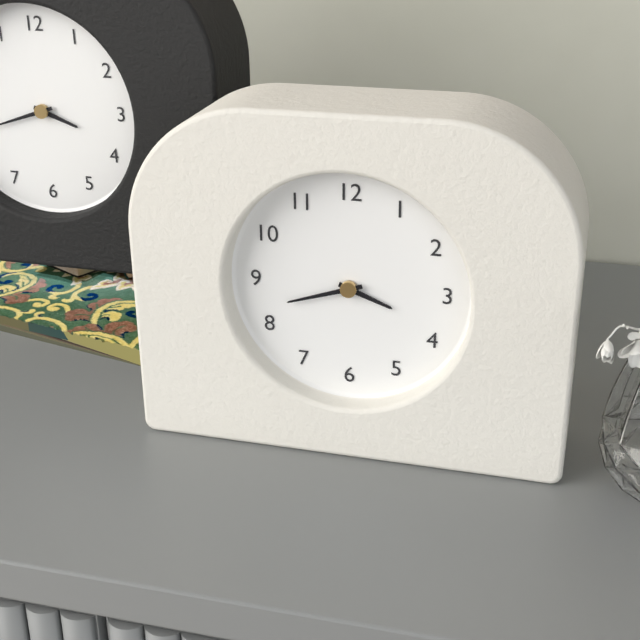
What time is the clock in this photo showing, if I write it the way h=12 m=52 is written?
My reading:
h=3 m=42
